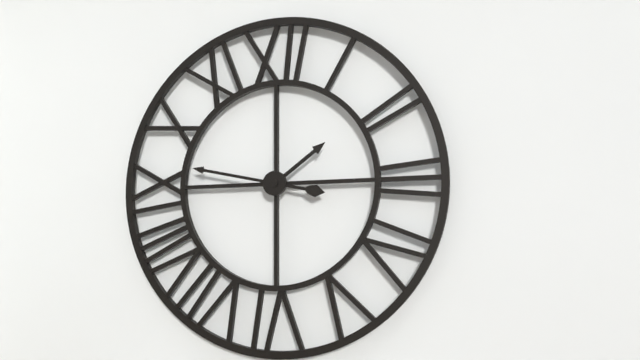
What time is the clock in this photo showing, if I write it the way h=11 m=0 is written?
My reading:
h=1 m=47
